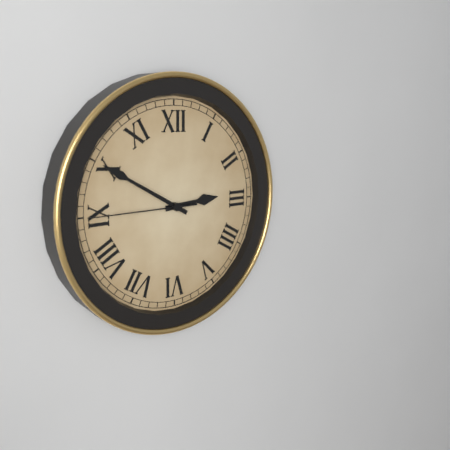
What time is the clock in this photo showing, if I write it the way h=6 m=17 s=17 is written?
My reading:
h=2 m=50 s=45
